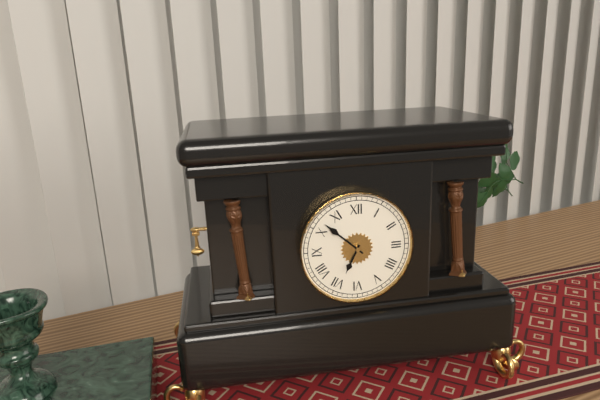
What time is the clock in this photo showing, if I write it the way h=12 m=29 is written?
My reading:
h=6 m=52
